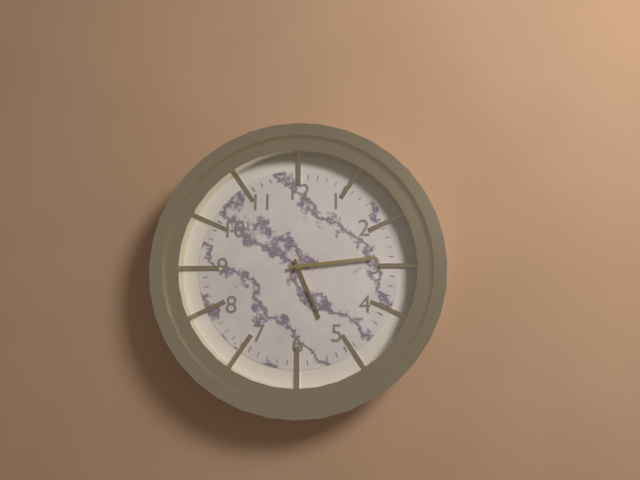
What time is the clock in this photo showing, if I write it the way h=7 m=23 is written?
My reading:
h=5 m=14
